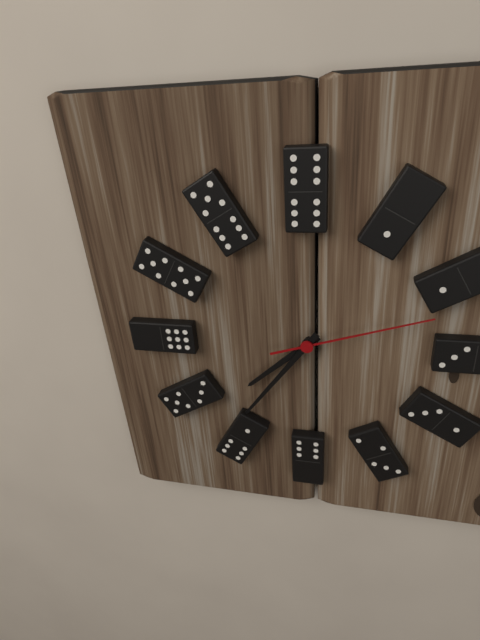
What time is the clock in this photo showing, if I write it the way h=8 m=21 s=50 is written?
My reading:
h=7 m=36 s=12
